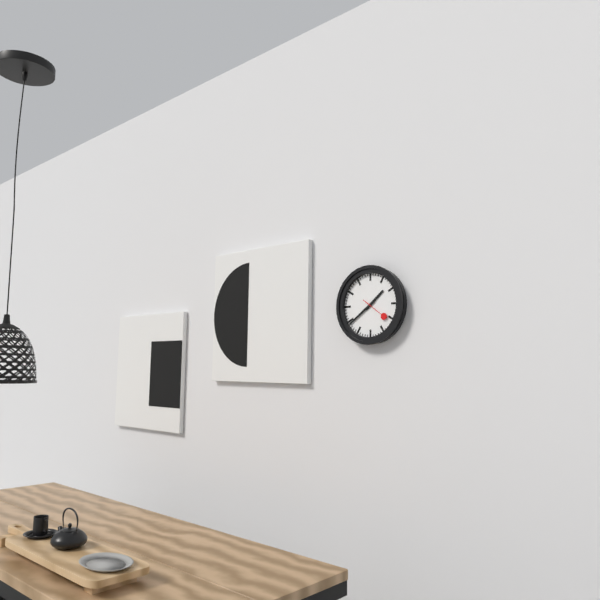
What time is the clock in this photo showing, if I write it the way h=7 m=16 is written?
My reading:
h=1 m=39
